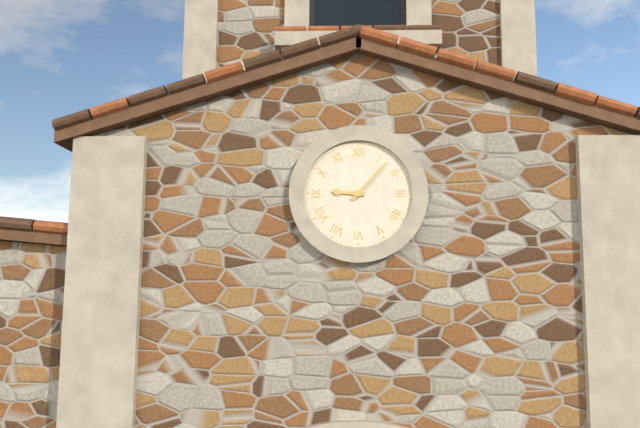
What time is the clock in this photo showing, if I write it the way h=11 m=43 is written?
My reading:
h=9 m=7
